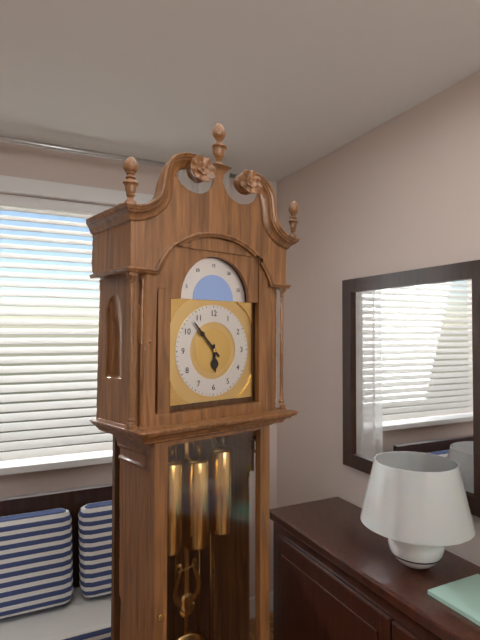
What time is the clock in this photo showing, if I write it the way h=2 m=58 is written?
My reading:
h=5 m=53
